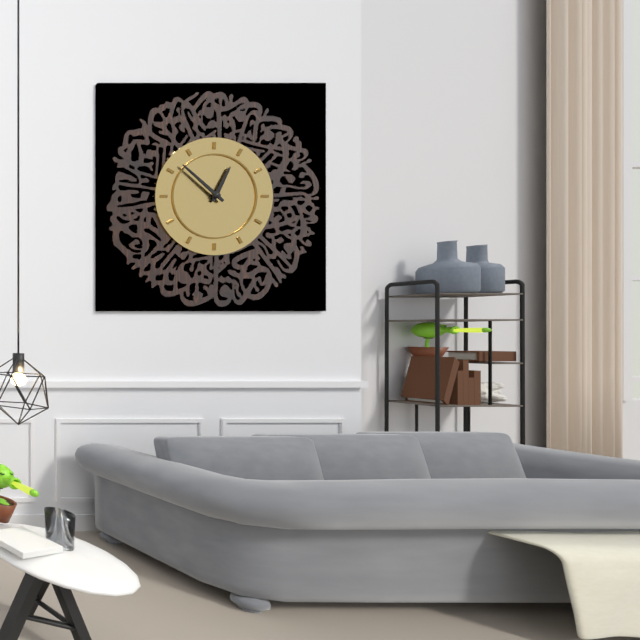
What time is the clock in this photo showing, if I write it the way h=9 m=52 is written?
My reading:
h=12 m=52
